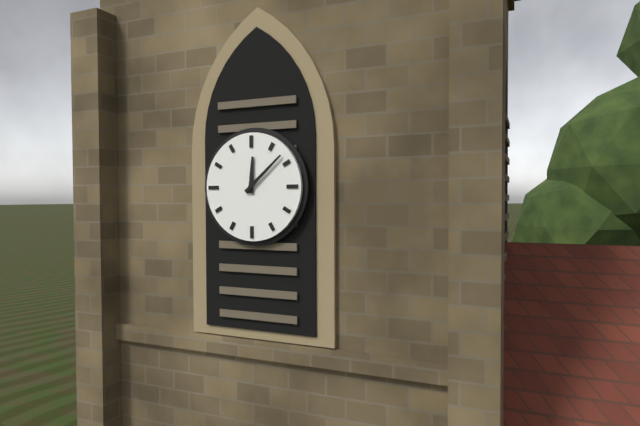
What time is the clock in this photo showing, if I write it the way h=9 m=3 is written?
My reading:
h=12 m=8
